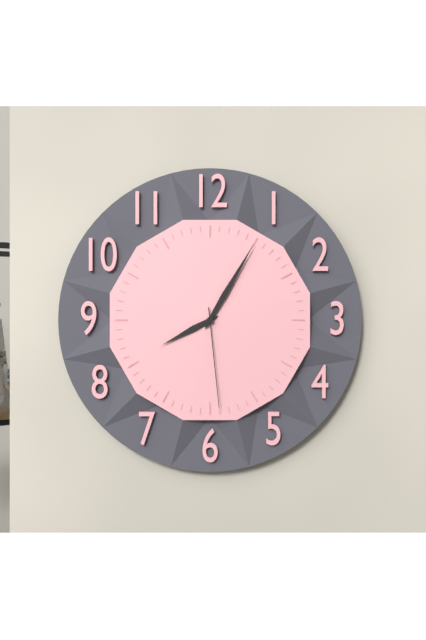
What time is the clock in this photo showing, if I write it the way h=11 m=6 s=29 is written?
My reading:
h=8 m=5 s=29
